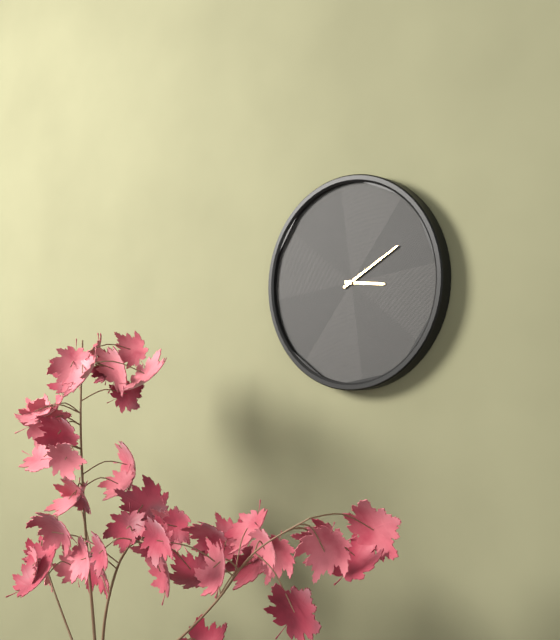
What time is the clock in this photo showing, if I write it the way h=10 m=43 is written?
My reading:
h=3 m=10
